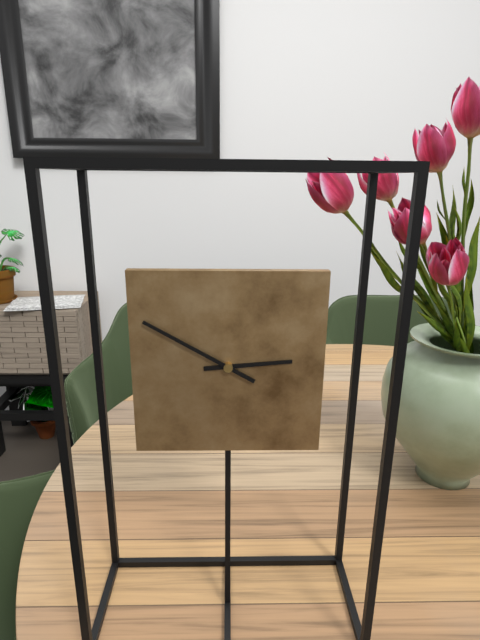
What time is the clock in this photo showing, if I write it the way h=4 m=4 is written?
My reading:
h=2 m=50
